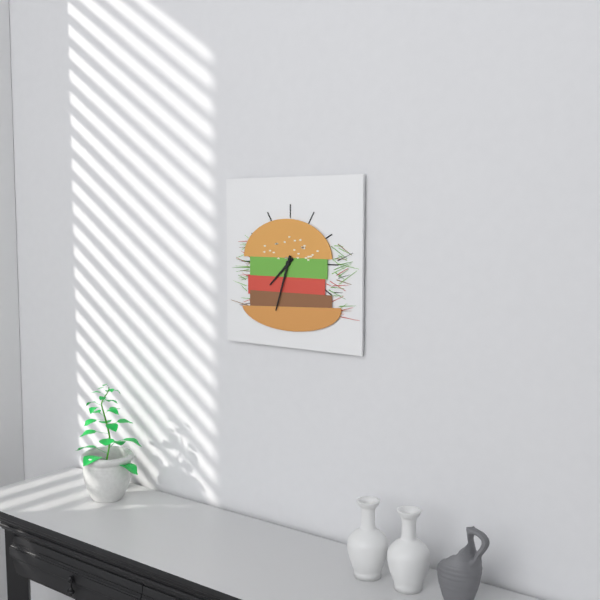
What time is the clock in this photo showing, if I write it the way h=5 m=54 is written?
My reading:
h=7 m=33
